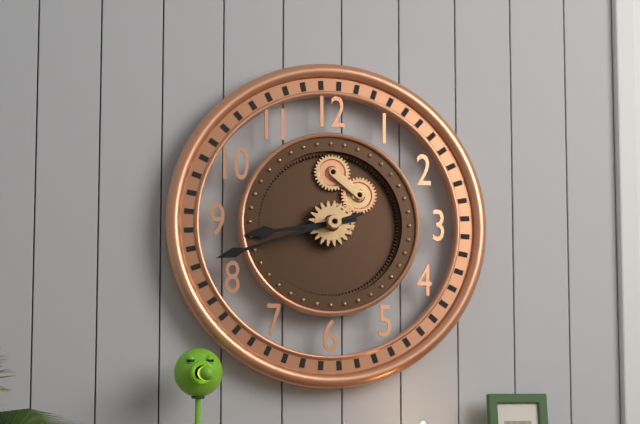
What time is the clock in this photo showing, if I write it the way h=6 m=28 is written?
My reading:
h=8 m=42
